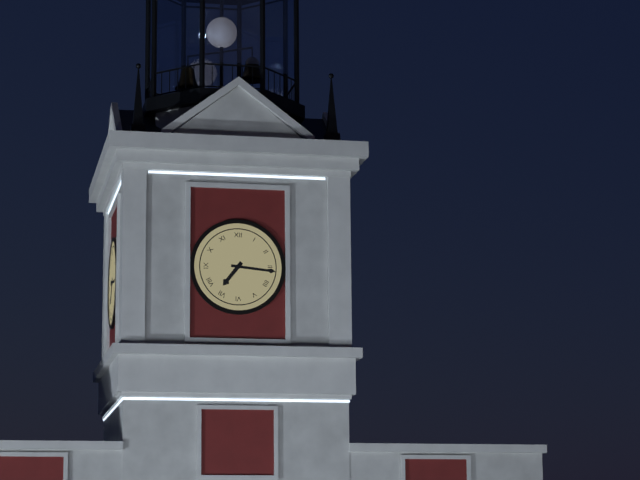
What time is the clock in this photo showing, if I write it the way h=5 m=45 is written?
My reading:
h=7 m=16
